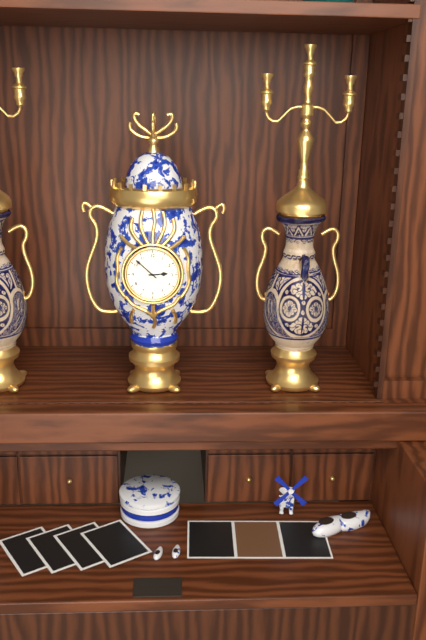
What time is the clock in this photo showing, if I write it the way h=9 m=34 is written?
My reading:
h=2 m=52
